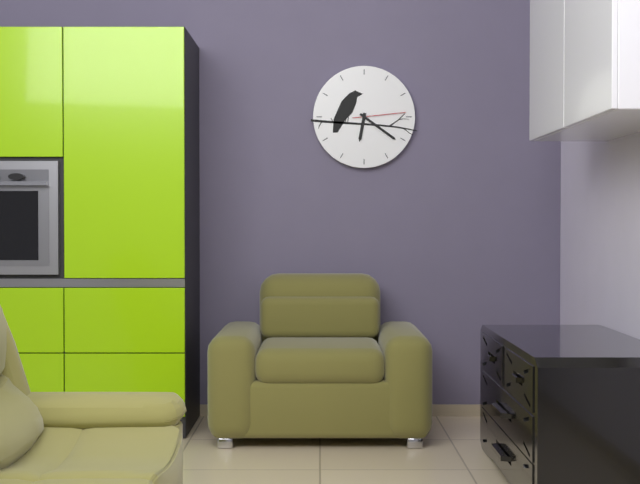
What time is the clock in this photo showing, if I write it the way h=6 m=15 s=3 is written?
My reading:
h=6 m=21 s=14
